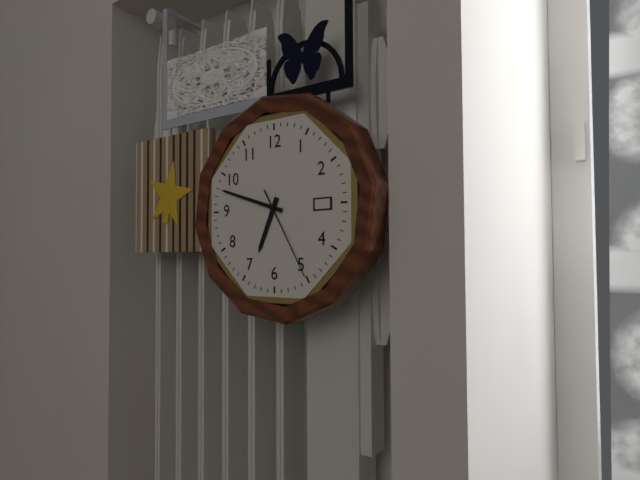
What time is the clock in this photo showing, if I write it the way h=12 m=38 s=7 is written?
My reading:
h=6 m=48 s=25
